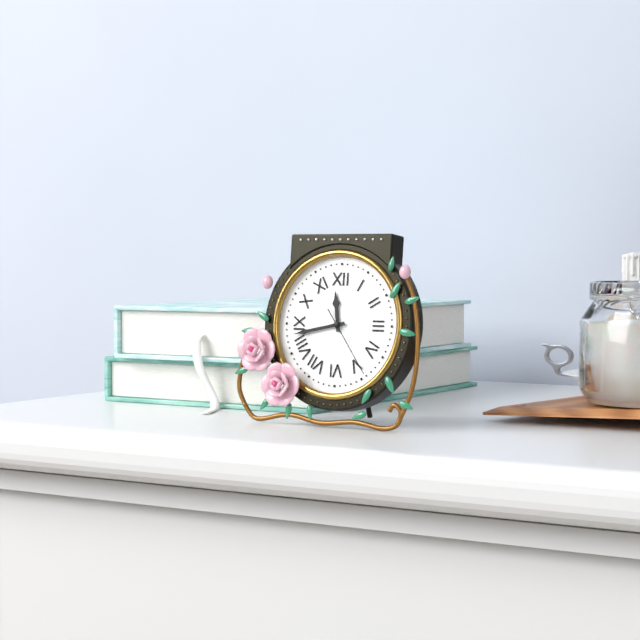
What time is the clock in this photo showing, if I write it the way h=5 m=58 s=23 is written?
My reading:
h=11 m=43 s=24
